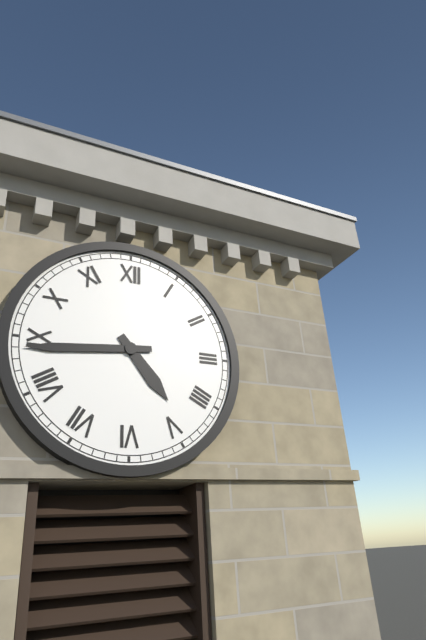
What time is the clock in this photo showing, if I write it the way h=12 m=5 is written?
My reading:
h=4 m=44
